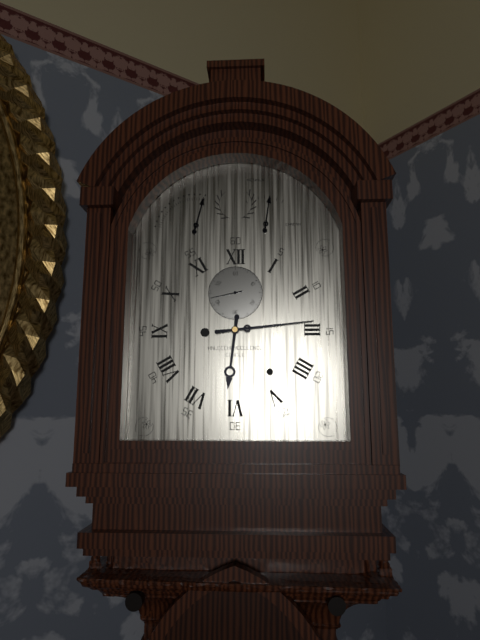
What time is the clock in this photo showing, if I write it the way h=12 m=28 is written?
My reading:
h=6 m=14
